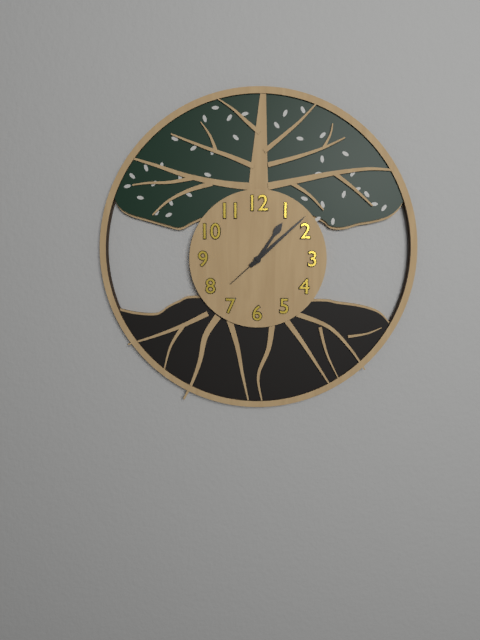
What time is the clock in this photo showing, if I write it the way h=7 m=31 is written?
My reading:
h=1 m=8
